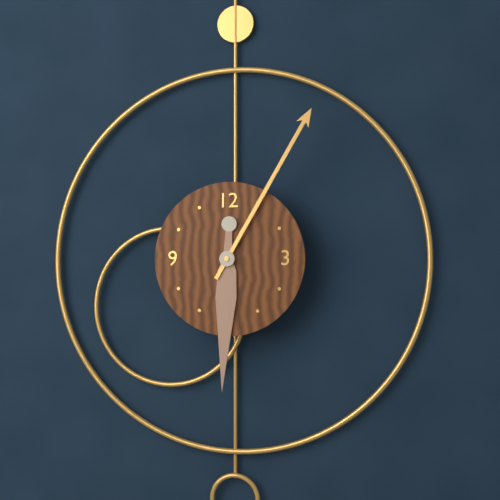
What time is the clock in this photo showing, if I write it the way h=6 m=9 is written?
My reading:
h=6 m=5
